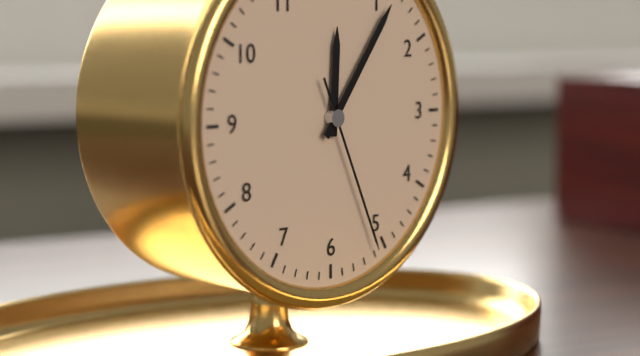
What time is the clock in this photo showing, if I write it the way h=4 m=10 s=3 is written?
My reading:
h=12 m=6 s=26
